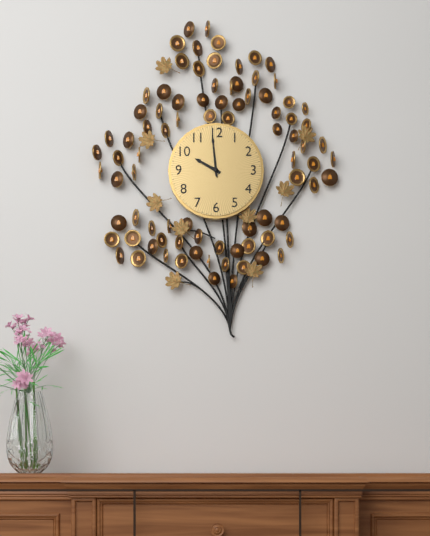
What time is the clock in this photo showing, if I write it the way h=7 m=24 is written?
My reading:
h=9 m=59
